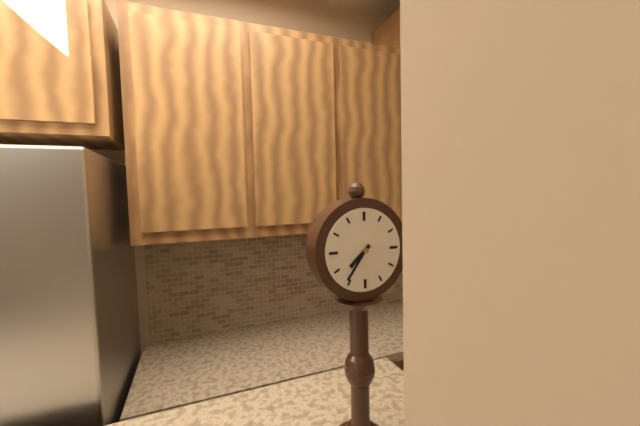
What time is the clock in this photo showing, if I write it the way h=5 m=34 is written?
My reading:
h=7 m=36
